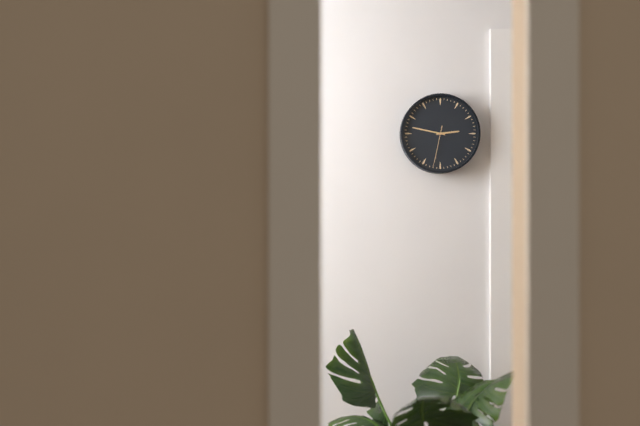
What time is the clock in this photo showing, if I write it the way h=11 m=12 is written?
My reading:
h=2 m=47
